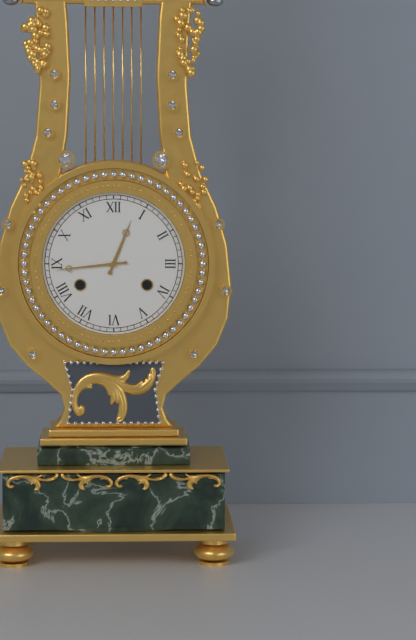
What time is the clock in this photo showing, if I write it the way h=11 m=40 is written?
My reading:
h=12 m=44
